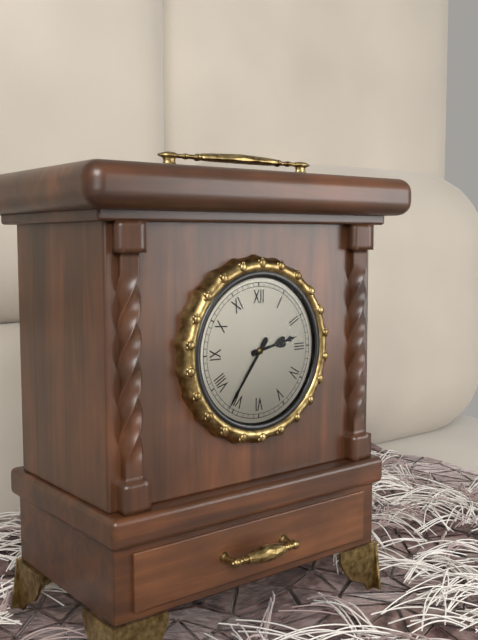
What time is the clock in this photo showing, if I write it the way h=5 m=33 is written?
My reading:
h=2 m=36
